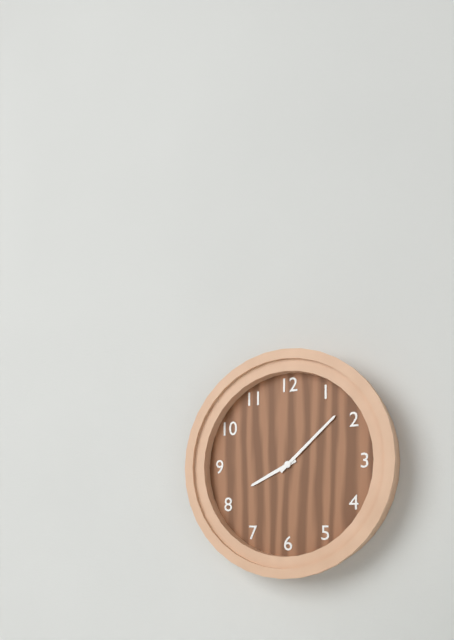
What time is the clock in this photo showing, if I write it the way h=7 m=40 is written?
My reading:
h=8 m=8
